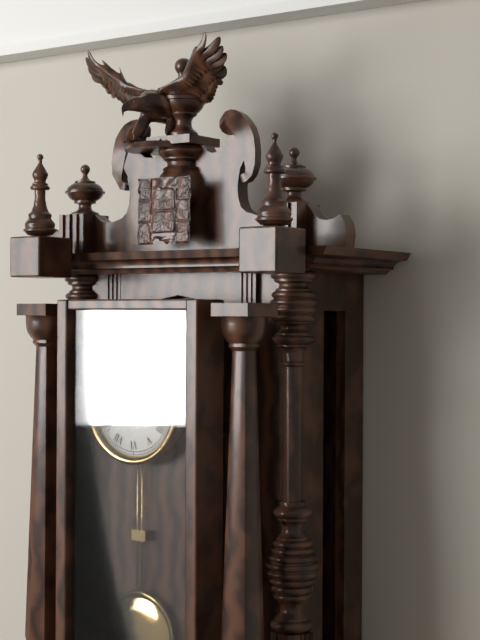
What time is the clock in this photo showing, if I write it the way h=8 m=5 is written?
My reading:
h=4 m=2
